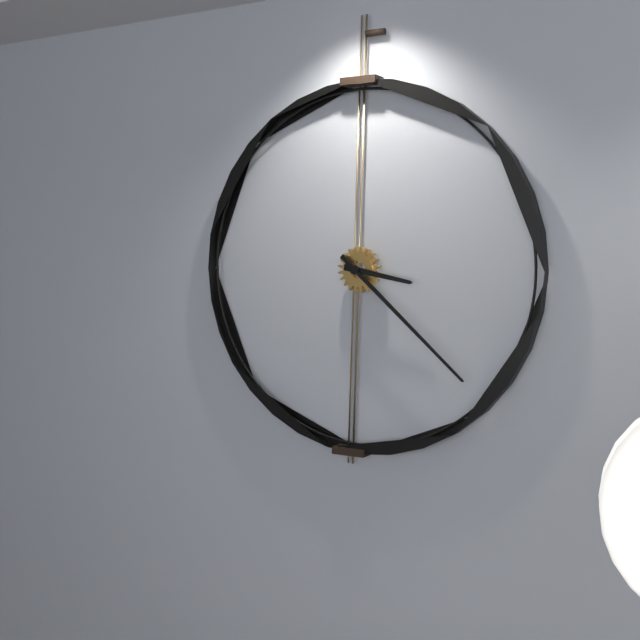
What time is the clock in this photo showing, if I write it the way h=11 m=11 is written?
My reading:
h=3 m=22
